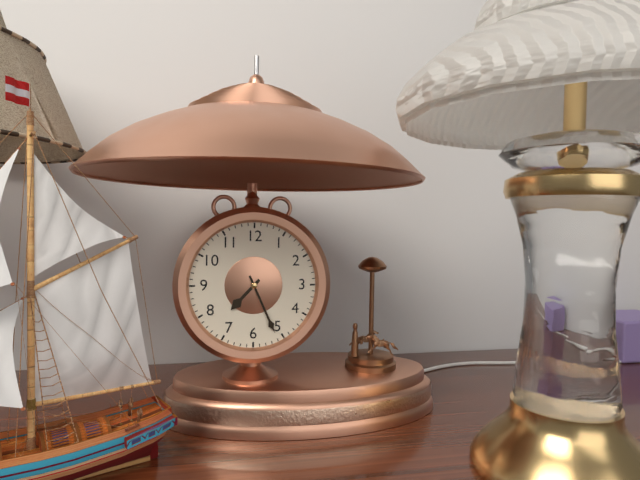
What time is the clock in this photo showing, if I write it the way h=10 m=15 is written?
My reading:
h=7 m=26
